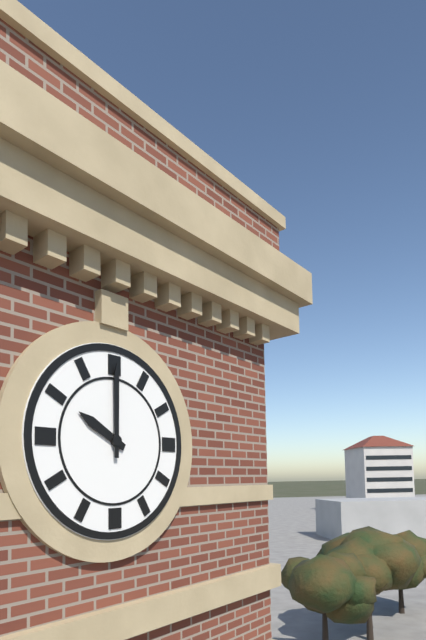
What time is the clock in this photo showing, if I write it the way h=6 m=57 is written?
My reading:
h=10 m=0
